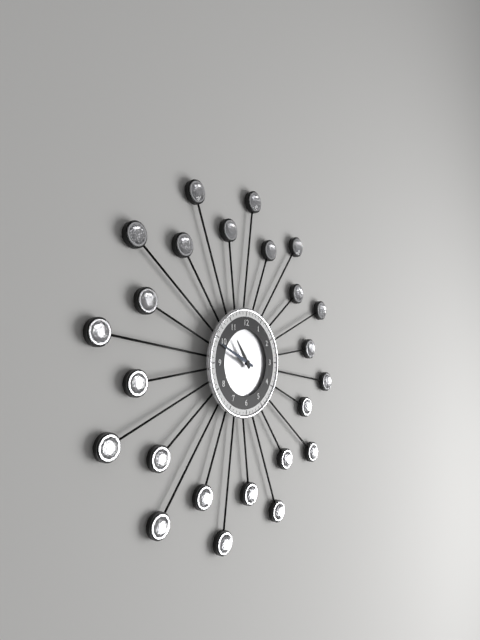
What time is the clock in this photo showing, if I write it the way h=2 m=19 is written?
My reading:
h=10 m=49
